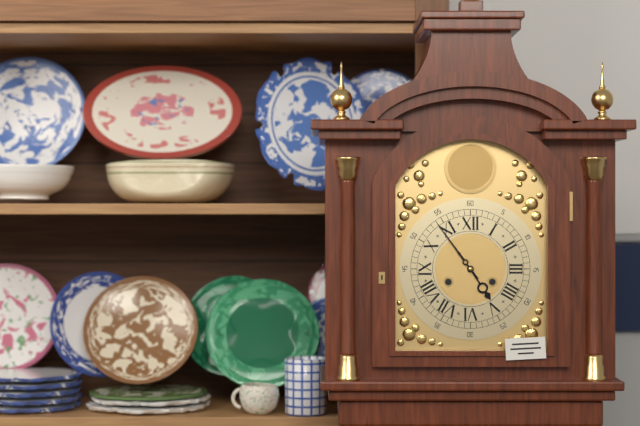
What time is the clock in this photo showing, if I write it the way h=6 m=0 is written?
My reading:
h=4 m=54
